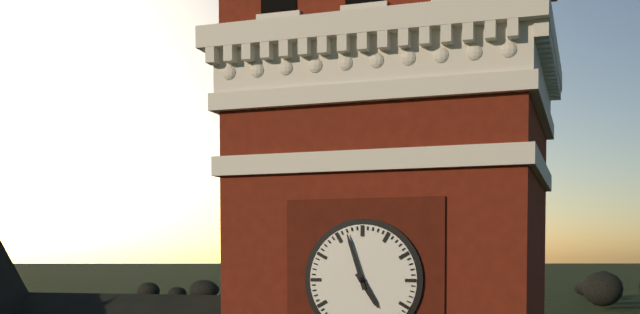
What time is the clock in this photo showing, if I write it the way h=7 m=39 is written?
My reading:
h=4 m=57
